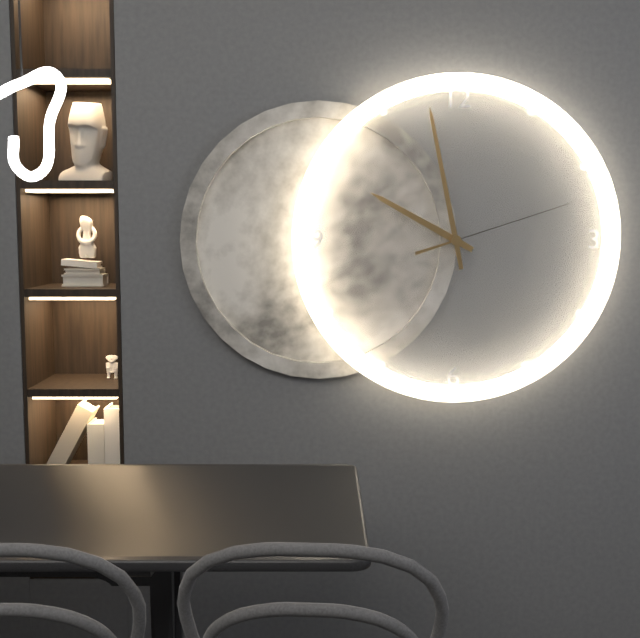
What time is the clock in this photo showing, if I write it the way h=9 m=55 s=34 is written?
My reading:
h=9 m=58 s=12
